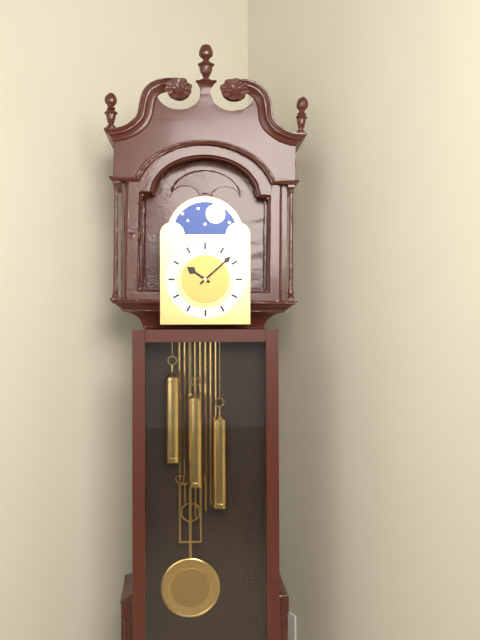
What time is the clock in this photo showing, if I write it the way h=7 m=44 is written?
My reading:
h=10 m=8
